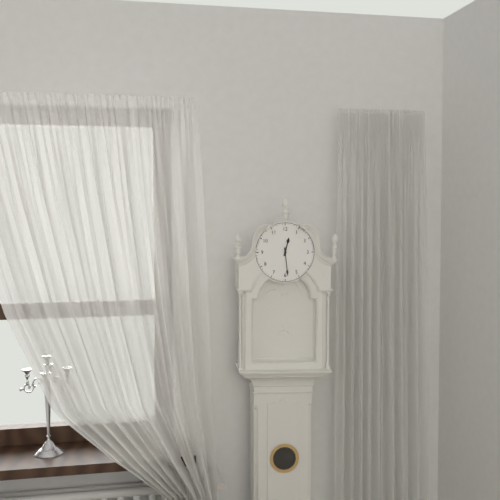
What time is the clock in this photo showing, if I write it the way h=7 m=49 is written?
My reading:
h=12 m=29
